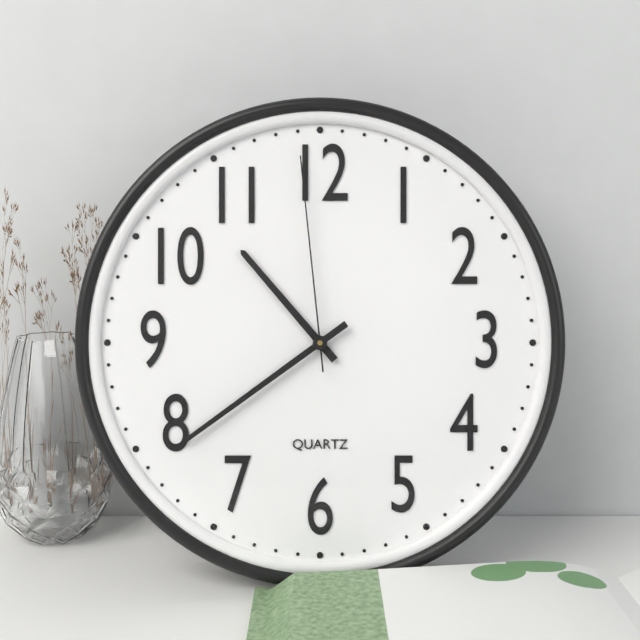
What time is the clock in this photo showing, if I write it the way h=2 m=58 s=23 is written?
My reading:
h=10 m=39 s=59
